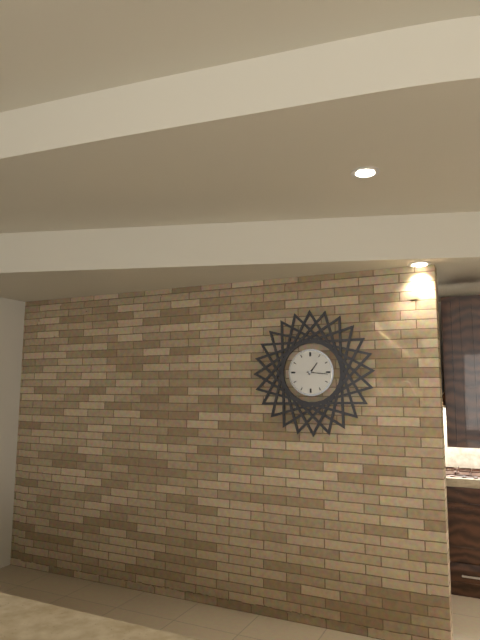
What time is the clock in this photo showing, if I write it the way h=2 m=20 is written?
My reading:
h=1 m=16
